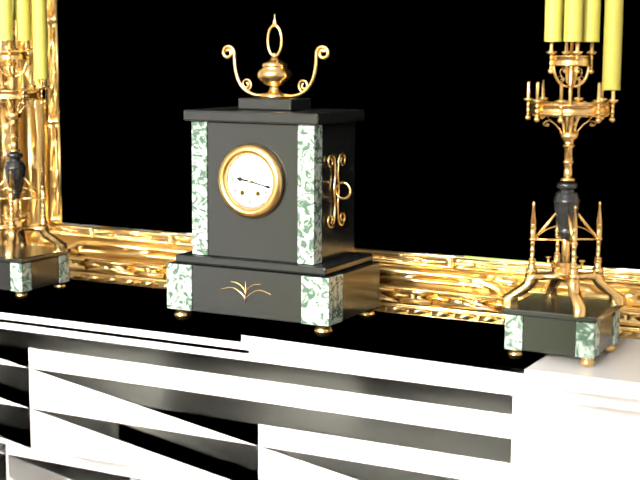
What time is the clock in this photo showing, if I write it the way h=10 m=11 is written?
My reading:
h=9 m=17
